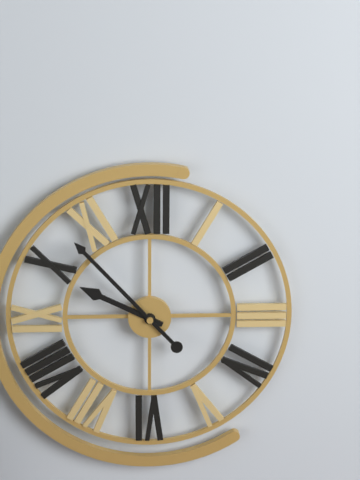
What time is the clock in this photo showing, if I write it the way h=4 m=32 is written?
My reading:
h=9 m=53
